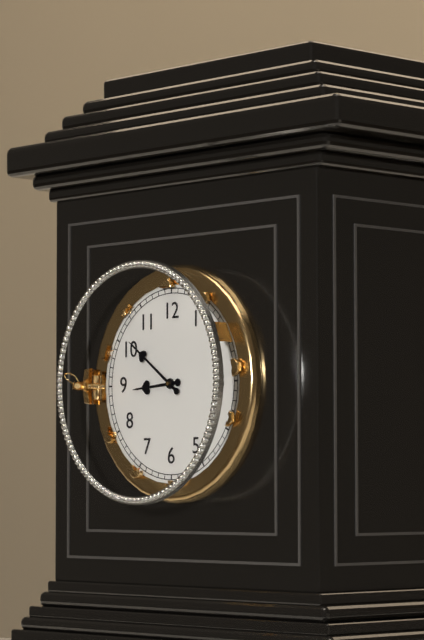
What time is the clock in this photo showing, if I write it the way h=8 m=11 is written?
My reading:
h=8 m=51
